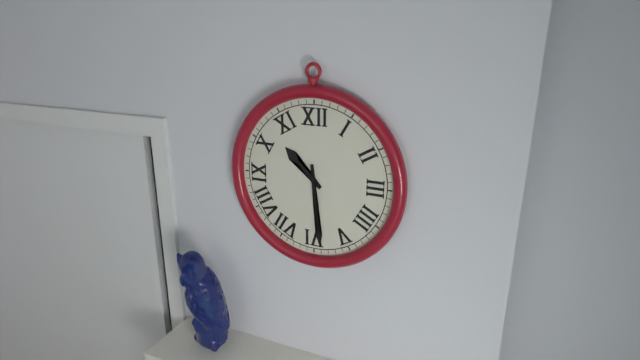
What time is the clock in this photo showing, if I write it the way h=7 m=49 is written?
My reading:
h=10 m=29
